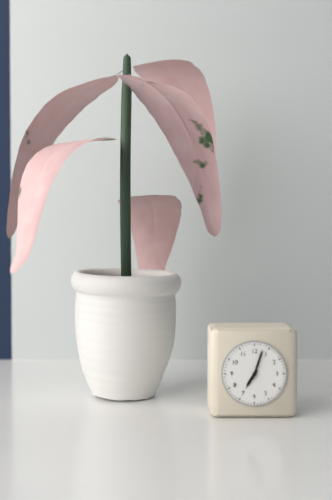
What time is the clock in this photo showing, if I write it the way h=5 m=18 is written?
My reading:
h=7 m=3
